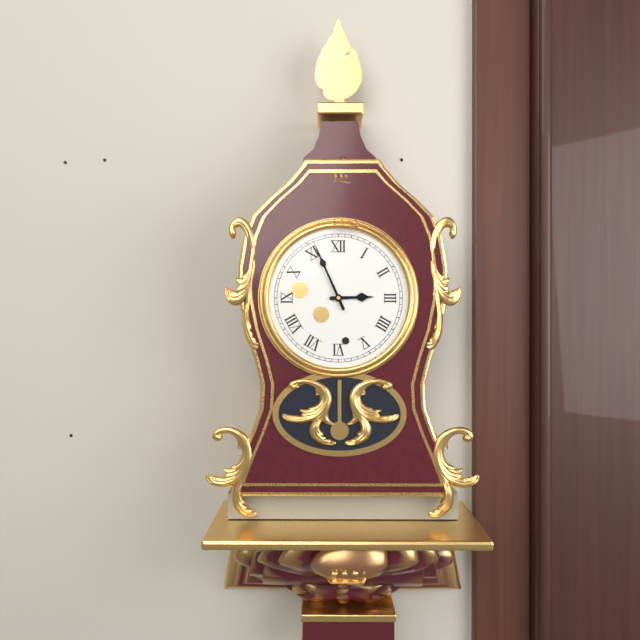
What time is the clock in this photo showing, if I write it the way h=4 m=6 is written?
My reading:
h=2 m=56
